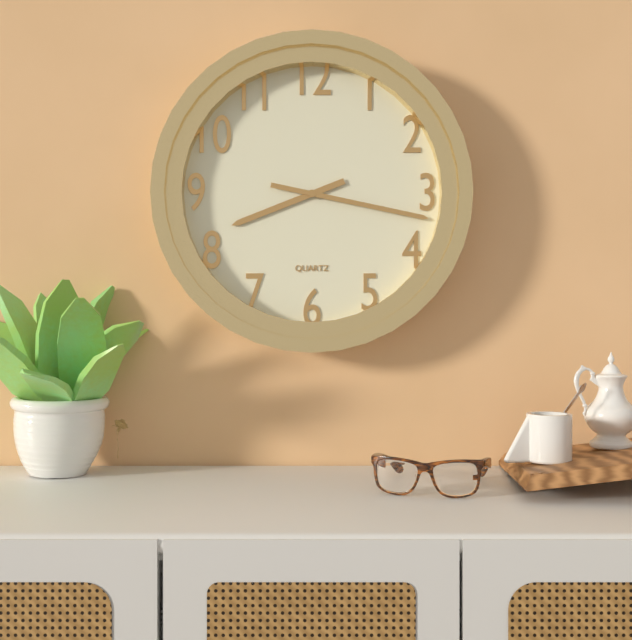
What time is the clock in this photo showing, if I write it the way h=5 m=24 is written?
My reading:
h=8 m=17
